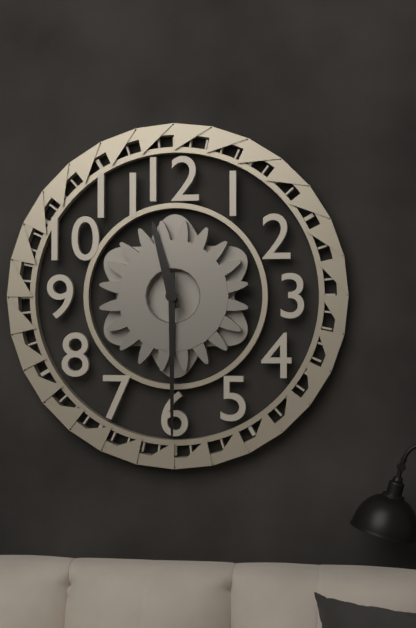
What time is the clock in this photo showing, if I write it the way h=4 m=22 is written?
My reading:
h=11 m=30
